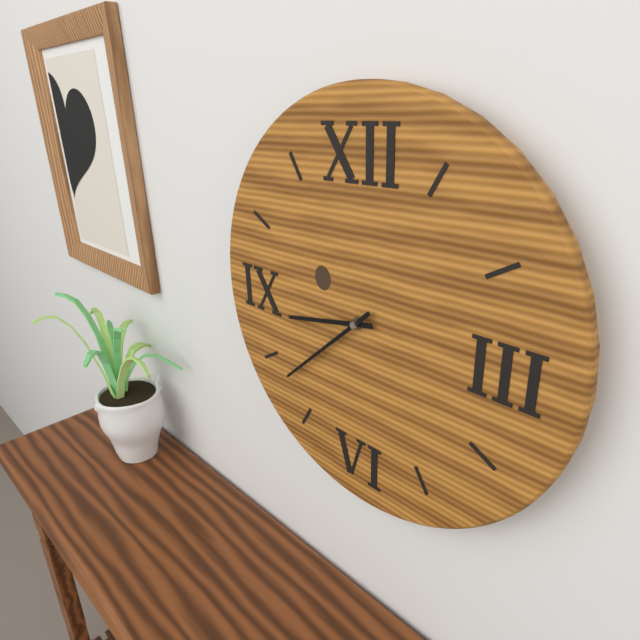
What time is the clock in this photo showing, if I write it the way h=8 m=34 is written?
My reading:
h=8 m=38
